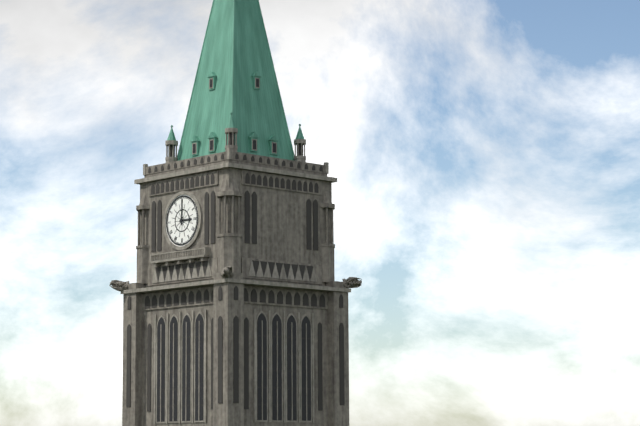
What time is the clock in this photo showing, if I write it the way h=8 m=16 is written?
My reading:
h=3 m=0
